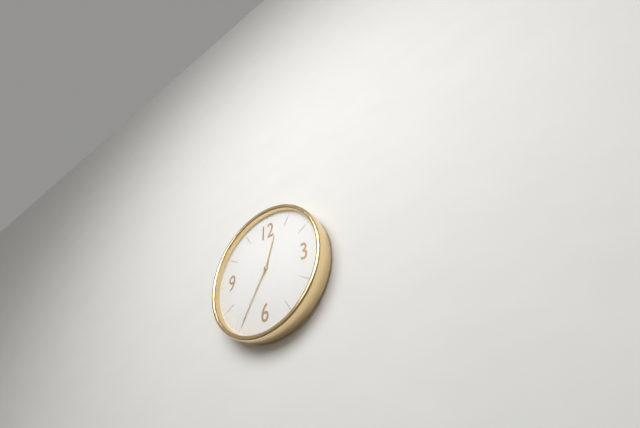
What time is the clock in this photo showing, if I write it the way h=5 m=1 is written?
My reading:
h=12 m=35
